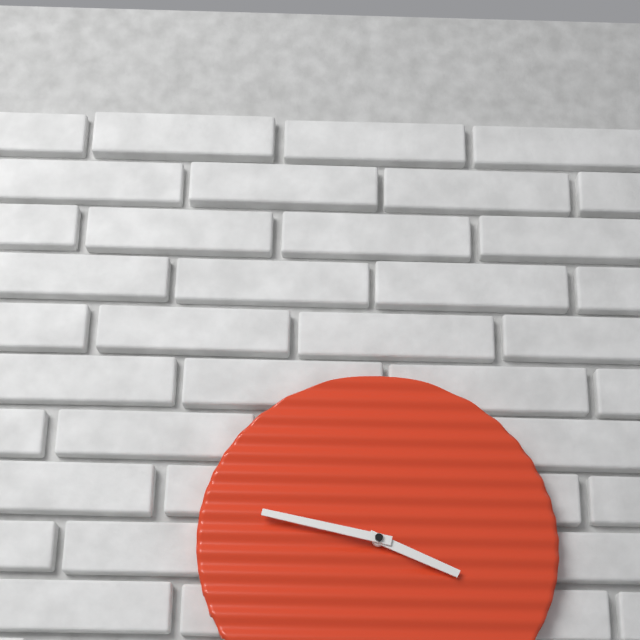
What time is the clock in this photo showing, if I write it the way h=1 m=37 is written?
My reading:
h=3 m=47
